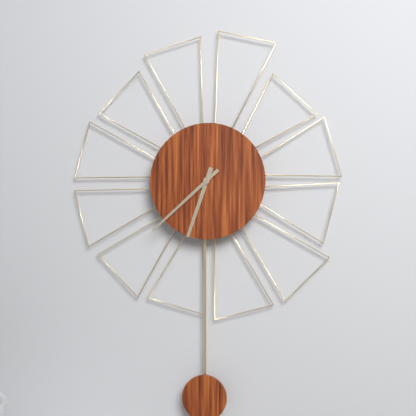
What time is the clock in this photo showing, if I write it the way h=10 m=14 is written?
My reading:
h=6 m=38
